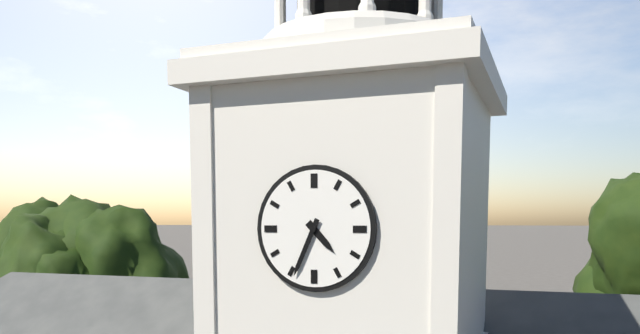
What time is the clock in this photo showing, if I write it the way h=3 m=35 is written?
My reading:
h=4 m=34
